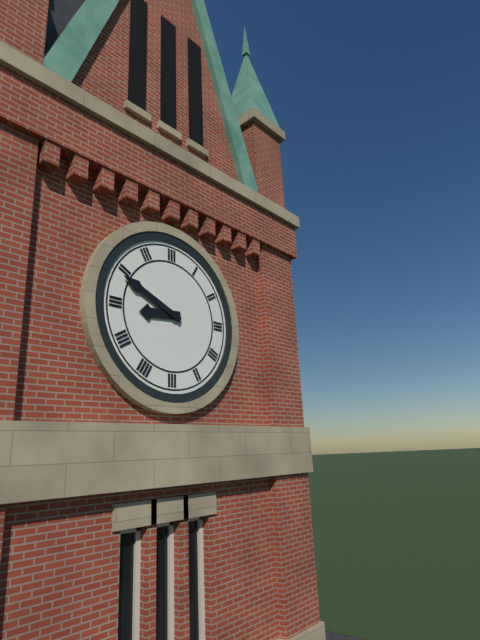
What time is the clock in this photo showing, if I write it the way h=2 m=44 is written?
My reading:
h=8 m=49
